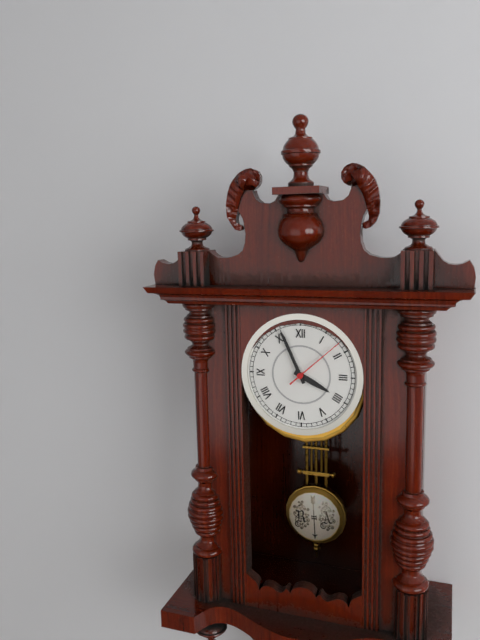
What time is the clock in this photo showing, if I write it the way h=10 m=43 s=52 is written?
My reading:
h=3 m=56 s=8
